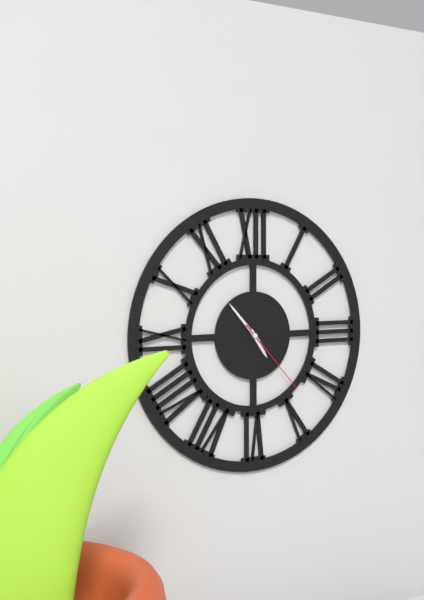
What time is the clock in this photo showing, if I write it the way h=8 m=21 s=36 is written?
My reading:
h=4 m=53 s=23
